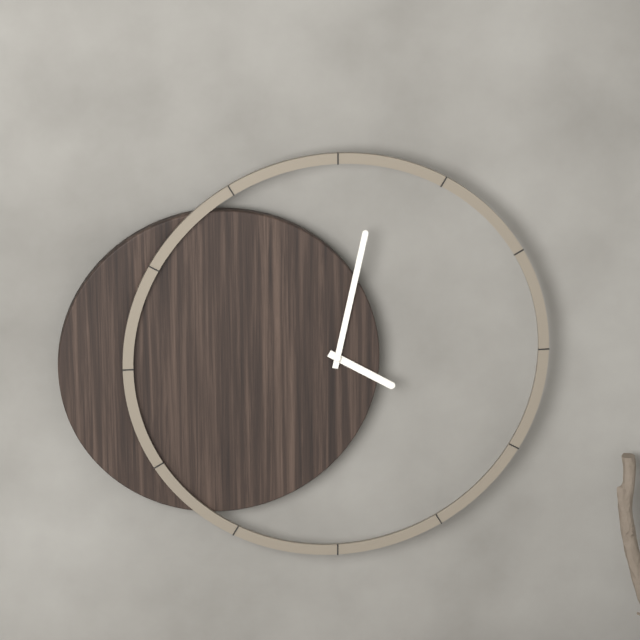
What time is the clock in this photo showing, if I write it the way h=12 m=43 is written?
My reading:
h=4 m=2
